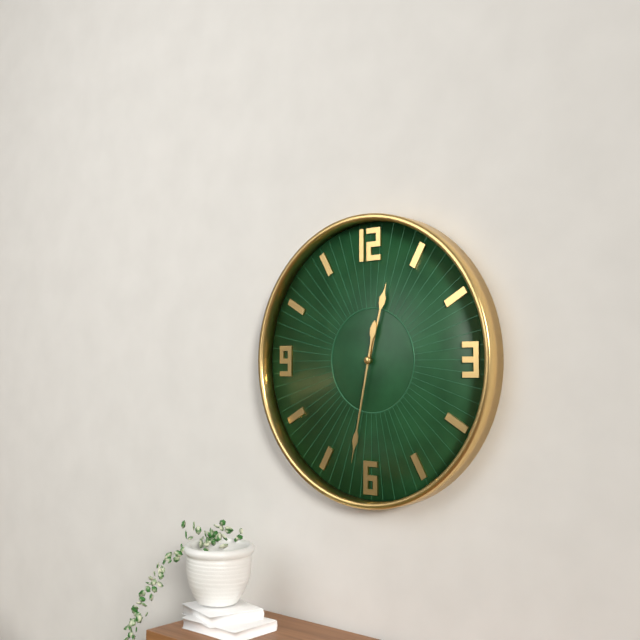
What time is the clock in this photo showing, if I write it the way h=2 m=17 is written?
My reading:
h=12 m=32
